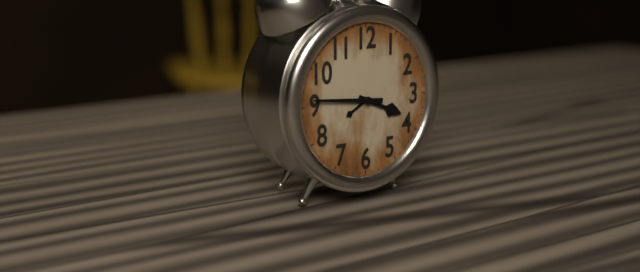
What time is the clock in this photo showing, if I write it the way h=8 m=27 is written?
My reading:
h=3 m=46
